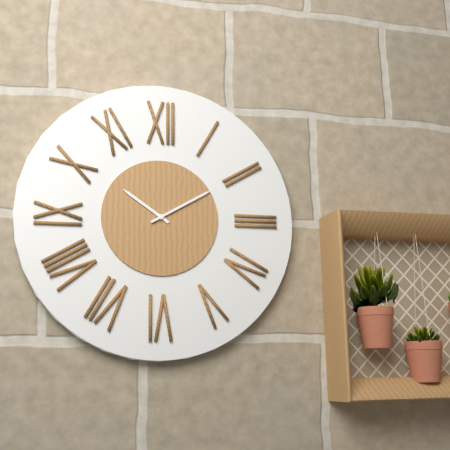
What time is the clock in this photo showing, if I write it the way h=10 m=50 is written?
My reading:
h=10 m=10
